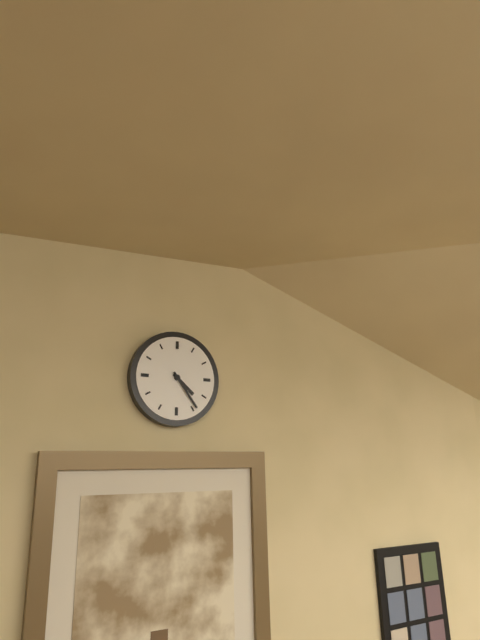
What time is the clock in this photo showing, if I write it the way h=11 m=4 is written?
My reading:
h=4 m=24
